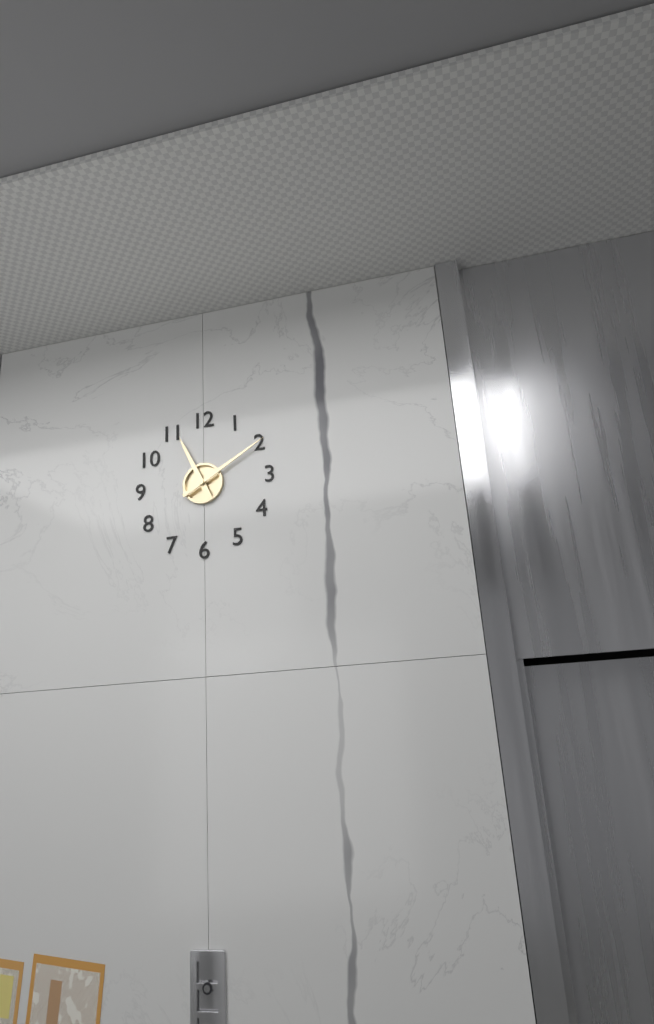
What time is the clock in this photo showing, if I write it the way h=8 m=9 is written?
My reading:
h=11 m=10
